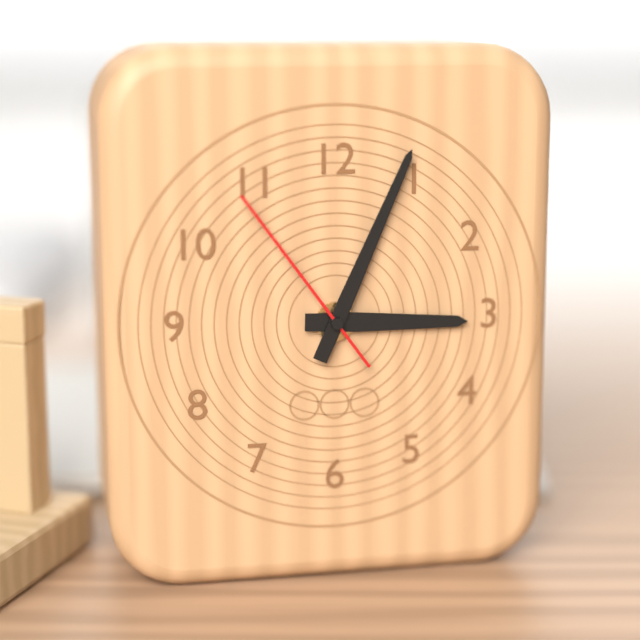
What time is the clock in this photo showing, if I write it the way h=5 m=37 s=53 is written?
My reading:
h=3 m=4 s=54
